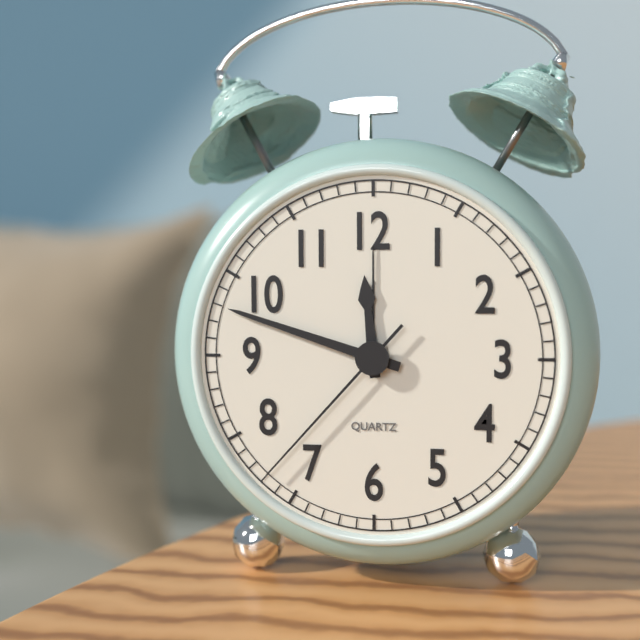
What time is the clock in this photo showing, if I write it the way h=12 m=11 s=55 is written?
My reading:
h=11 m=48 s=37
